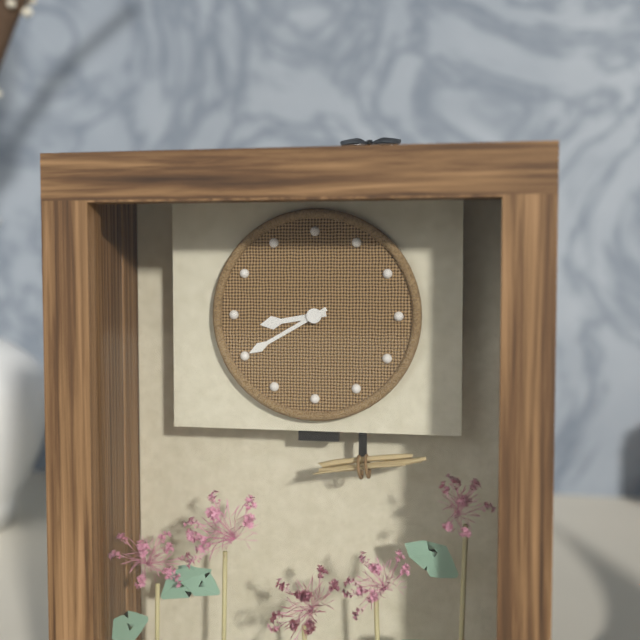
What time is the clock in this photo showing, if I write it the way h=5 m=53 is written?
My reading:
h=8 m=40
